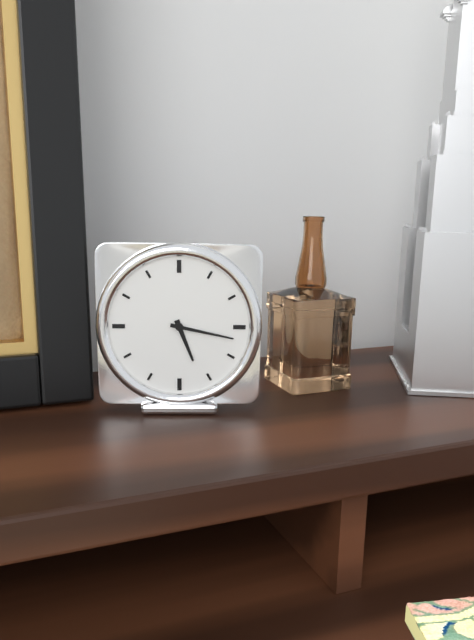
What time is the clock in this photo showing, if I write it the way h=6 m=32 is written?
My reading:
h=5 m=17
